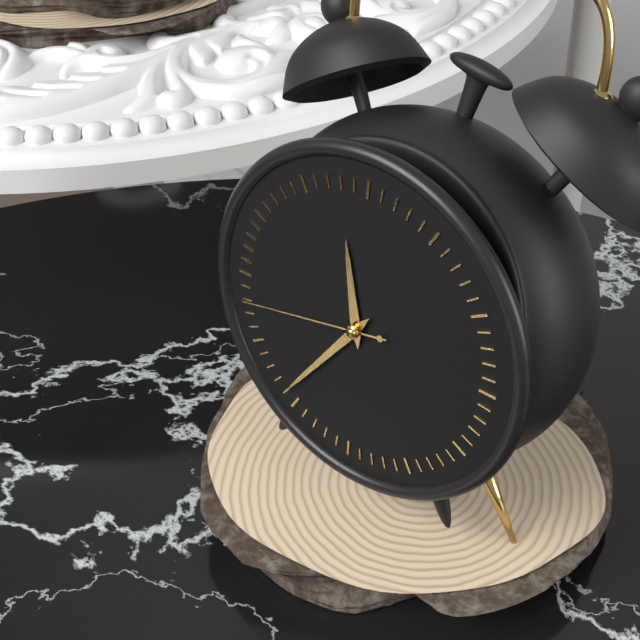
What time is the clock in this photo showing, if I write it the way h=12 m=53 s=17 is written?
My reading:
h=11 m=36 s=43
